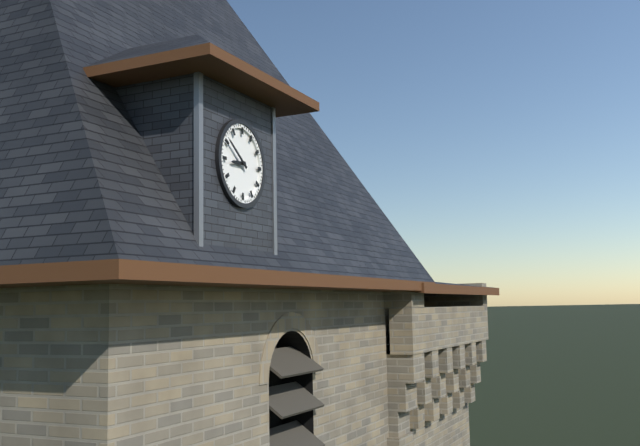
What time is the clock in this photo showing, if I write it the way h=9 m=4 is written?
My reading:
h=8 m=51
